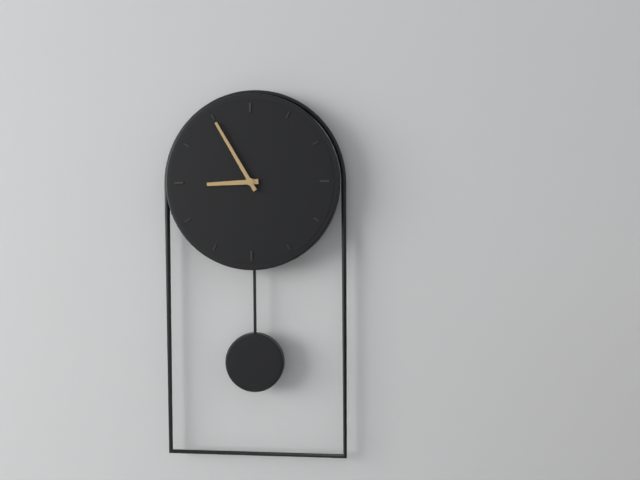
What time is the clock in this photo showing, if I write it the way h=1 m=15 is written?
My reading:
h=8 m=55
